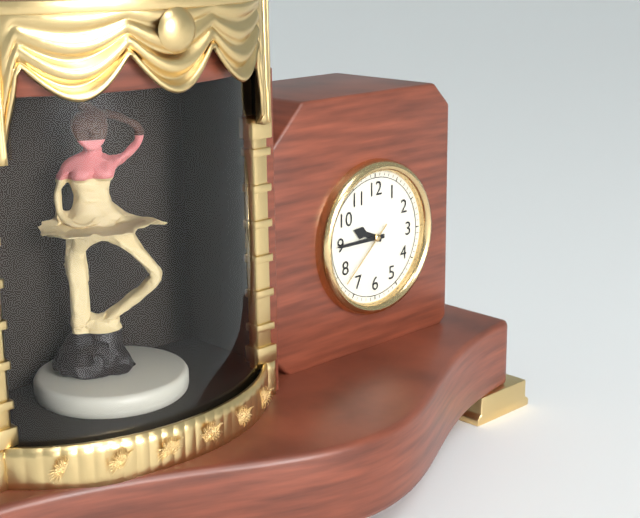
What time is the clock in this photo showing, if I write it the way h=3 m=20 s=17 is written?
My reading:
h=9 m=45 s=38
